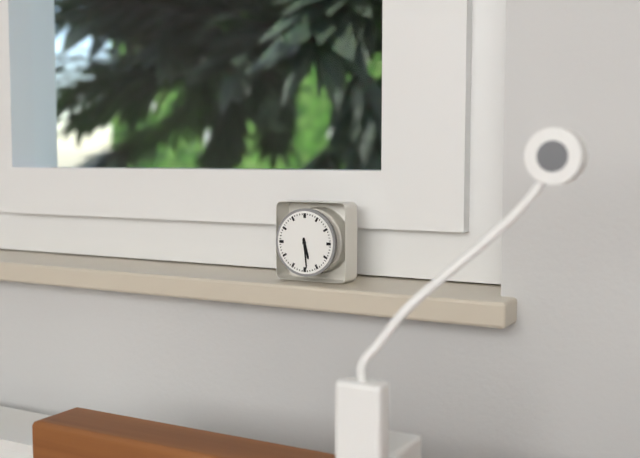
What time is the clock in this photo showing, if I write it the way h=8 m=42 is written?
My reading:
h=5 m=29
